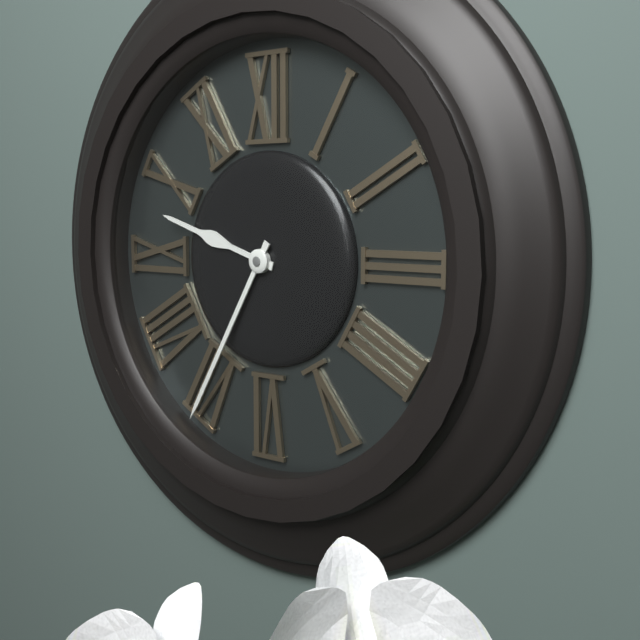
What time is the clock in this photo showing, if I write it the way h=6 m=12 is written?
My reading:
h=9 m=35
